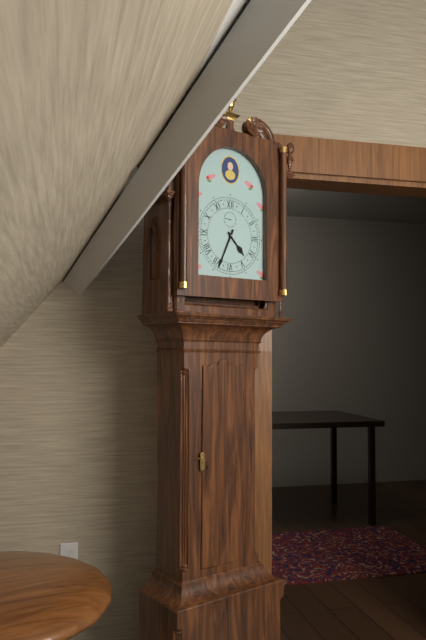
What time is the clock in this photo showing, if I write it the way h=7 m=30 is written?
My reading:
h=4 m=34
